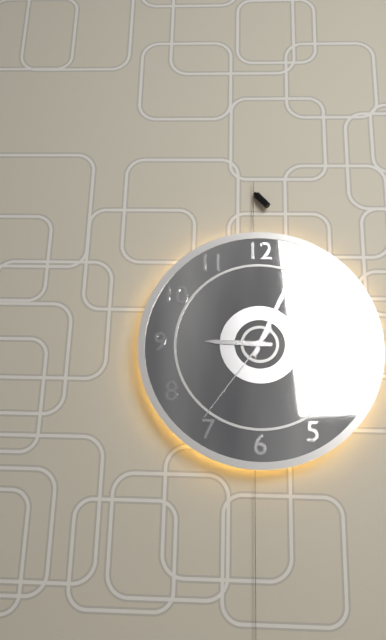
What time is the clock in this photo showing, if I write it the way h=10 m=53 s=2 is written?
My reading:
h=9 m=4 s=36
